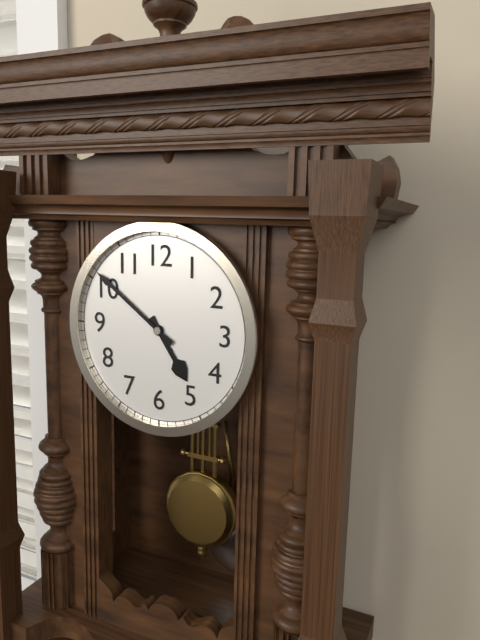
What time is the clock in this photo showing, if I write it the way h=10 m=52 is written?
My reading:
h=4 m=51
